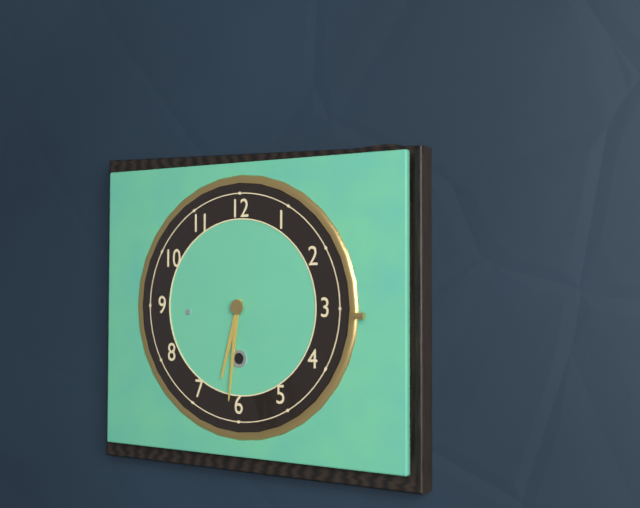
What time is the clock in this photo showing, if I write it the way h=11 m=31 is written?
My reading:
h=6 m=31
